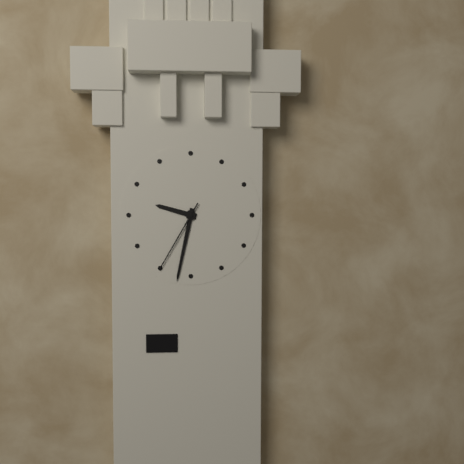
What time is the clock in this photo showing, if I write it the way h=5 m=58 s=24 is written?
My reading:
h=9 m=32 s=35
